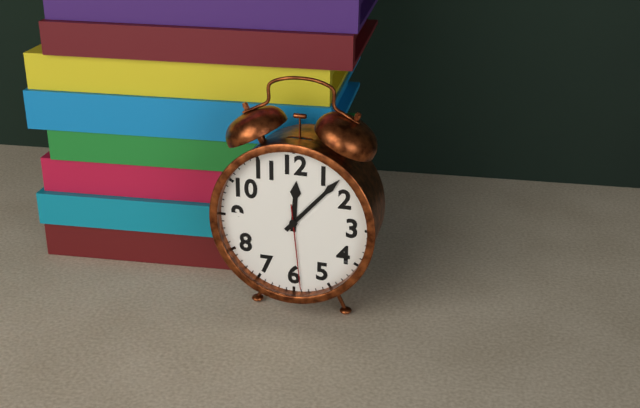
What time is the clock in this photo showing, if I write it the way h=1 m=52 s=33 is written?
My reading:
h=12 m=7 s=29
